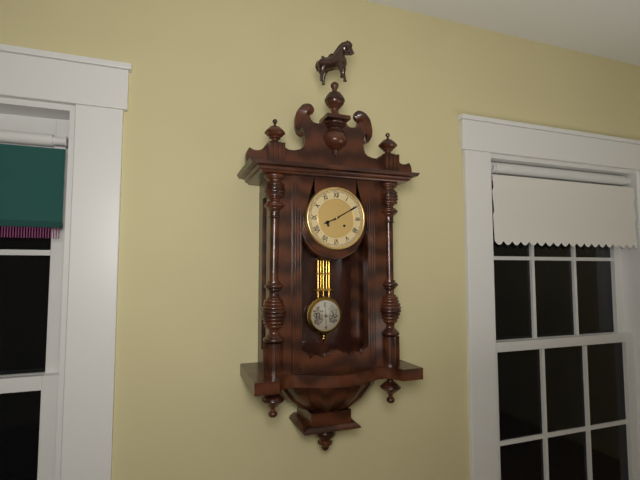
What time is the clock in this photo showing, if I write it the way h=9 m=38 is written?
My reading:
h=8 m=10
